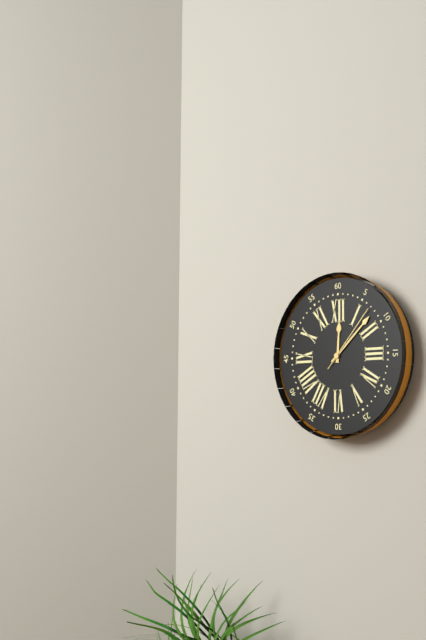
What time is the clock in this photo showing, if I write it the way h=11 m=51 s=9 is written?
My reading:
h=12 m=8 s=7
